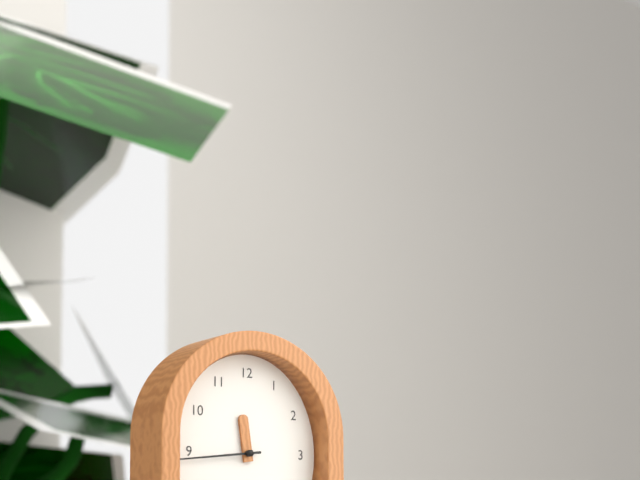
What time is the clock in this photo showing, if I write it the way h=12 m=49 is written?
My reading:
h=11 m=44
